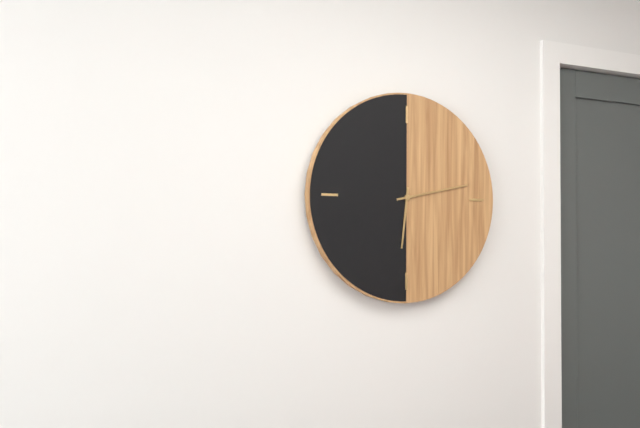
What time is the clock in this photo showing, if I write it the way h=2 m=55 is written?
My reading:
h=6 m=13
